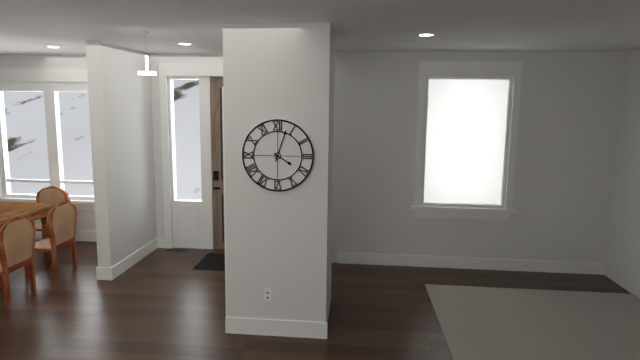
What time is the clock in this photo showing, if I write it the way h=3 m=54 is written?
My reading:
h=4 m=3
